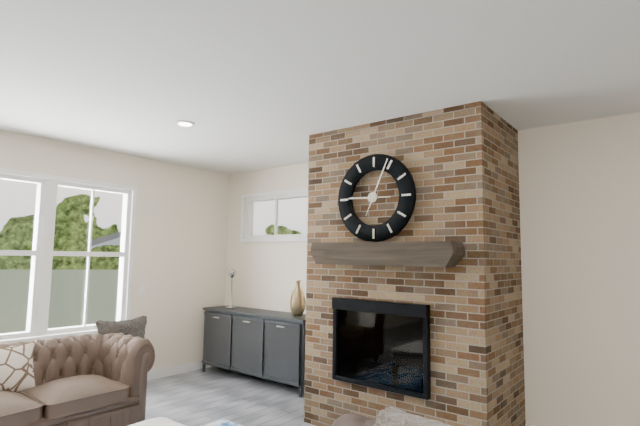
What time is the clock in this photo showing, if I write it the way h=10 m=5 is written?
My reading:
h=9 m=4
